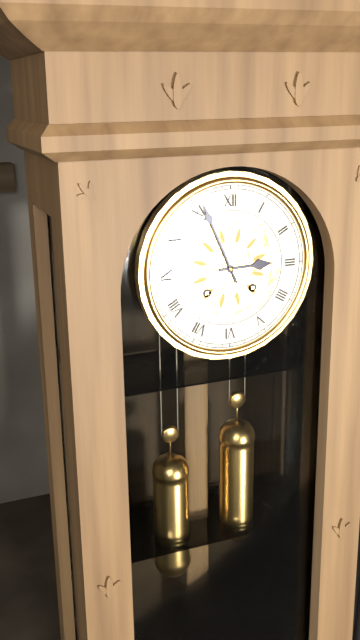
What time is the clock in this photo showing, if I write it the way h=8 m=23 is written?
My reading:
h=2 m=56
